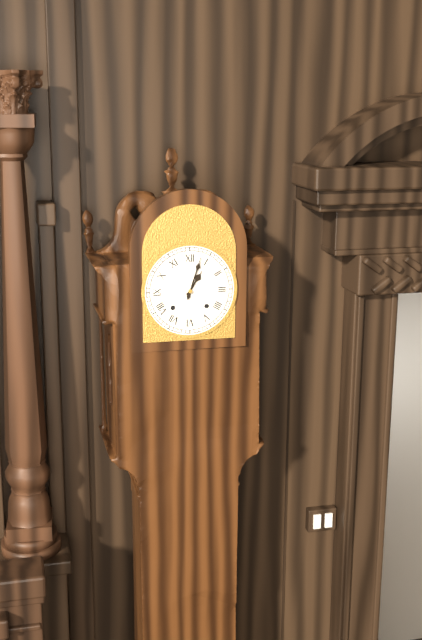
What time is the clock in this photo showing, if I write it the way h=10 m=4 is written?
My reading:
h=1 m=3
